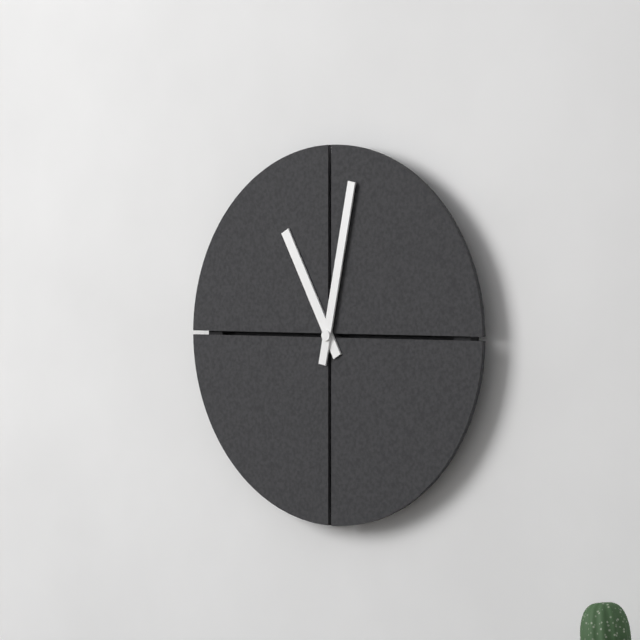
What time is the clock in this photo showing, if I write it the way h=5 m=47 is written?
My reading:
h=11 m=2
